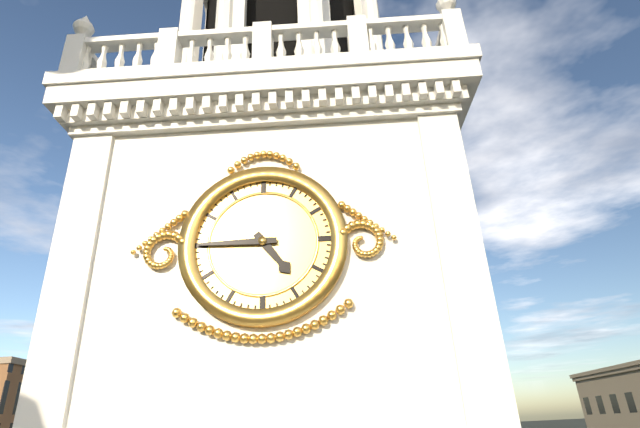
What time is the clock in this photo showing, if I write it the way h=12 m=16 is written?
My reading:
h=4 m=45
